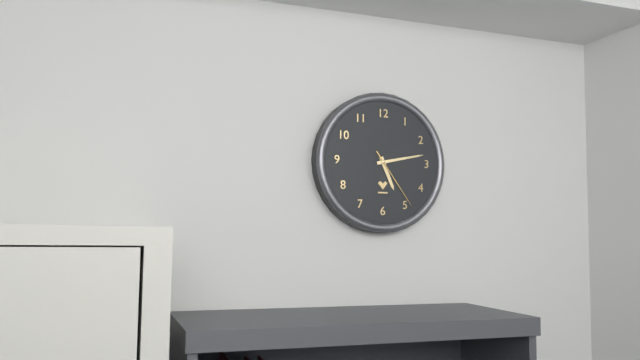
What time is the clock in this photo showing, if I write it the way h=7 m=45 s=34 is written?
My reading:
h=5 m=13 s=24
